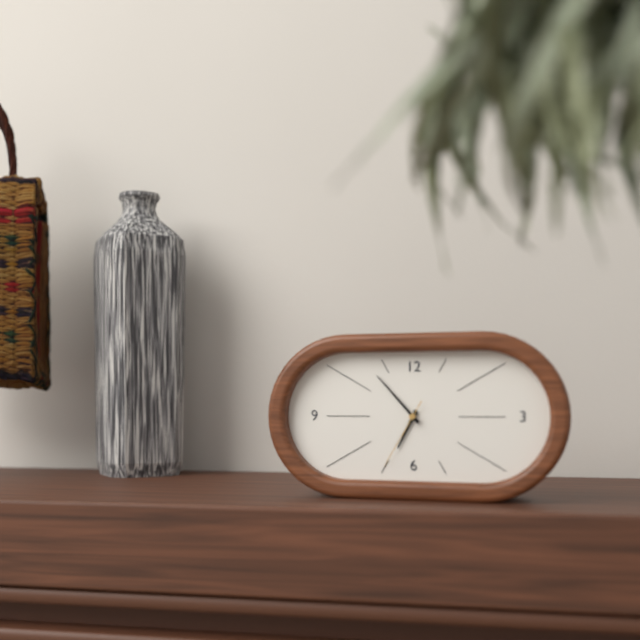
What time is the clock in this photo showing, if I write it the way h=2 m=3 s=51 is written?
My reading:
h=6 m=53 s=35
